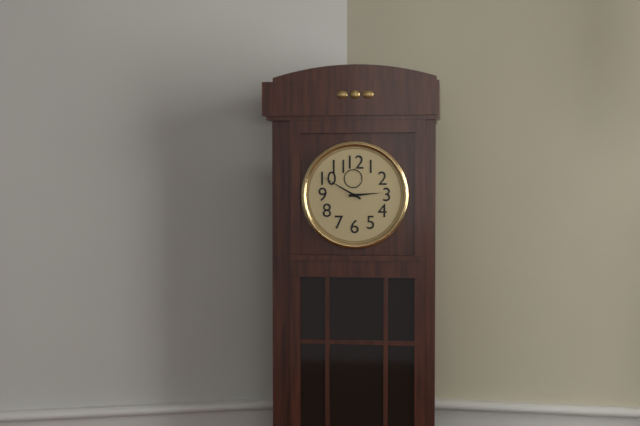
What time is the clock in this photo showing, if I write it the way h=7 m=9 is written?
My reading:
h=2 m=50
